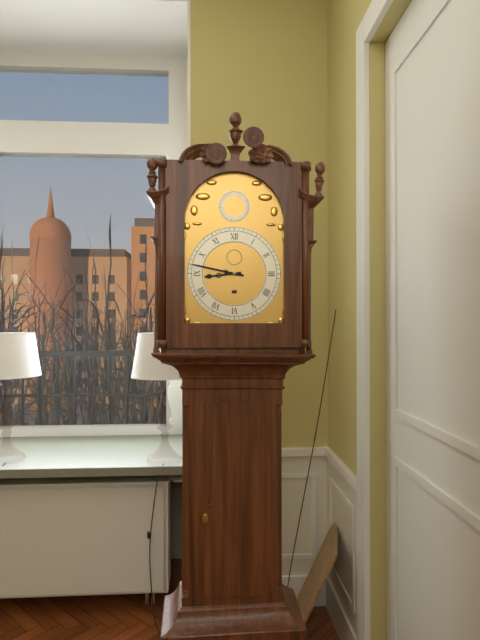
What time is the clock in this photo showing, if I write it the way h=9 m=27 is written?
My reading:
h=8 m=47
